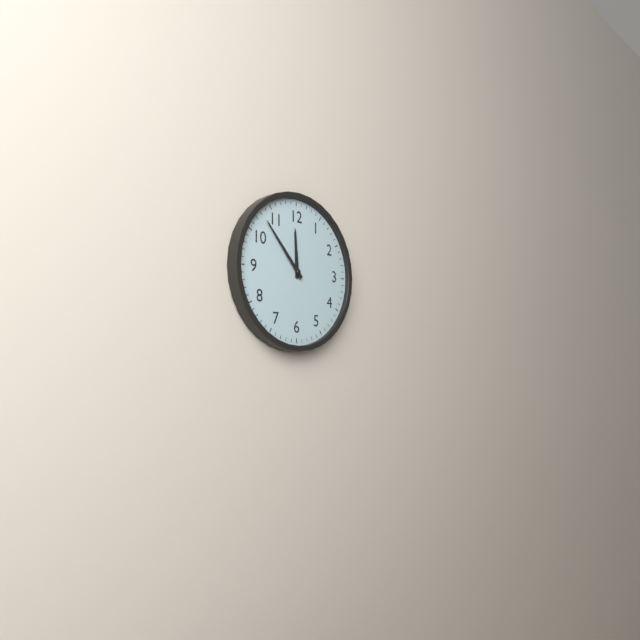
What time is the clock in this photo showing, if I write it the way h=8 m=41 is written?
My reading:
h=11 m=53
